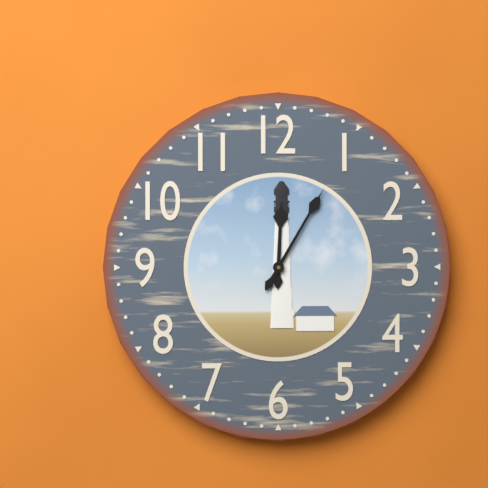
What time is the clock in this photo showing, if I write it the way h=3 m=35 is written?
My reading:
h=12 m=5
